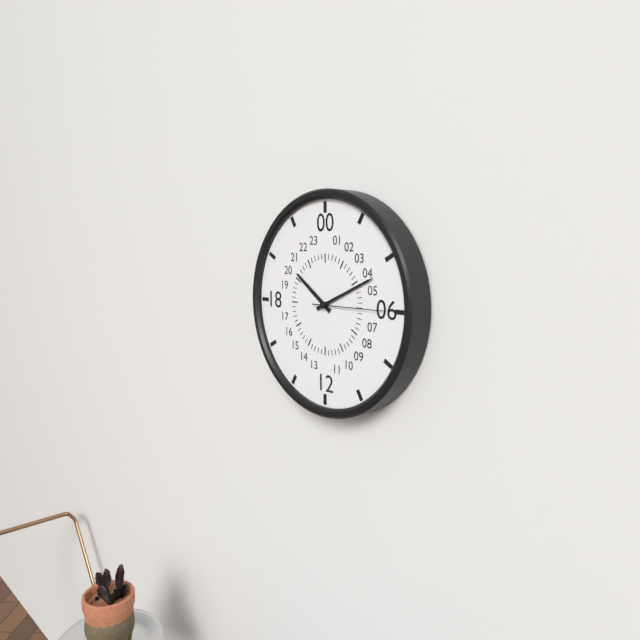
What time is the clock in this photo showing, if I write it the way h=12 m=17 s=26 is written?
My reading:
h=10 m=11 s=15
